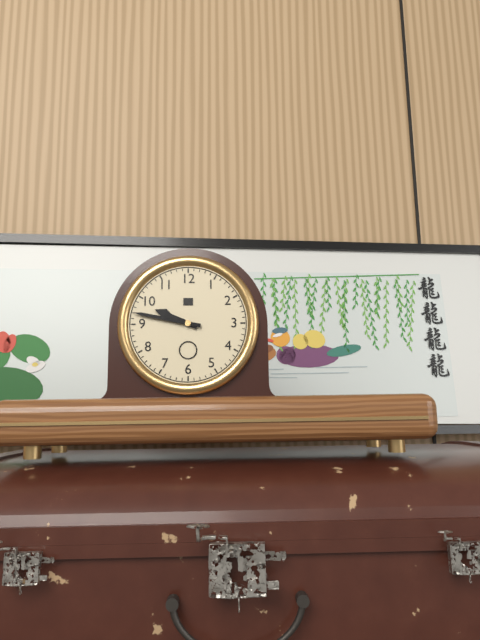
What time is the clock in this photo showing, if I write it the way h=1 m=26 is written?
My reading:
h=9 m=47
